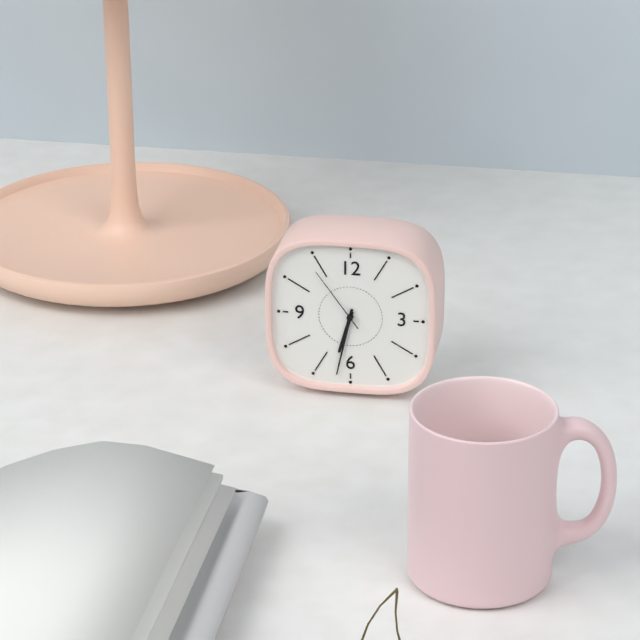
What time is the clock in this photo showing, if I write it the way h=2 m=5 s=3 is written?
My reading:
h=6 m=32 s=54
